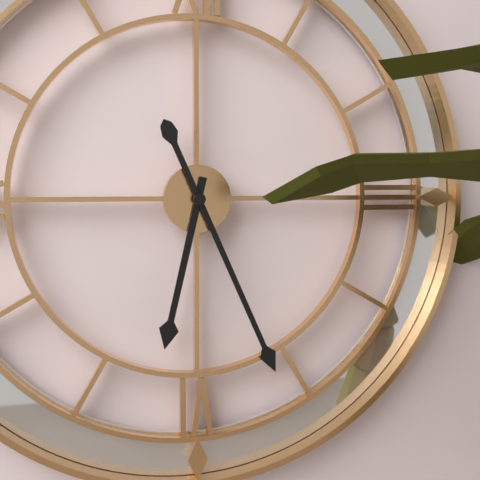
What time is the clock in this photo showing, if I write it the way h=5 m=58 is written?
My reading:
h=6 m=26
